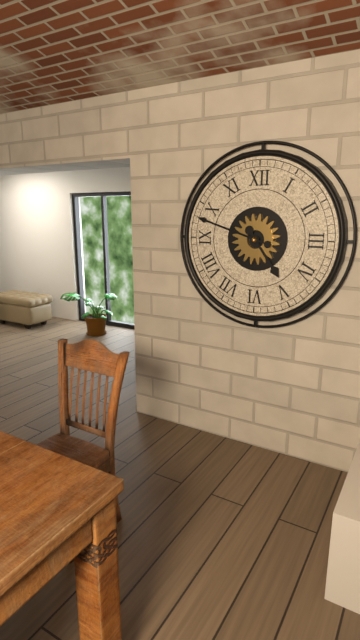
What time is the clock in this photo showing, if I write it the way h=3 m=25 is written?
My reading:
h=4 m=48
